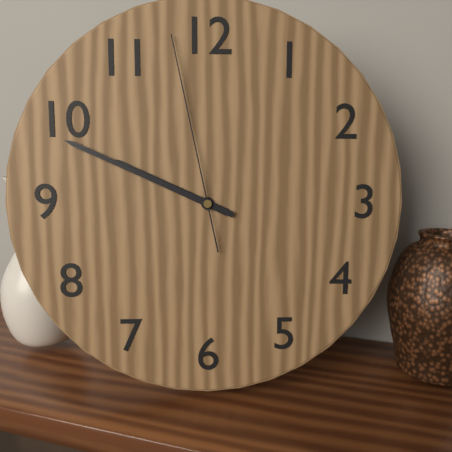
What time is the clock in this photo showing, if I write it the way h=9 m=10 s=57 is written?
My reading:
h=9 m=49 s=58
